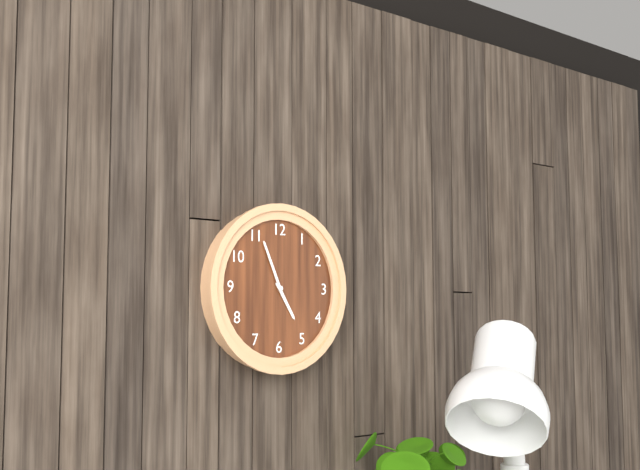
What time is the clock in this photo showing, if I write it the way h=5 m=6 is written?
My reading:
h=4 m=56
